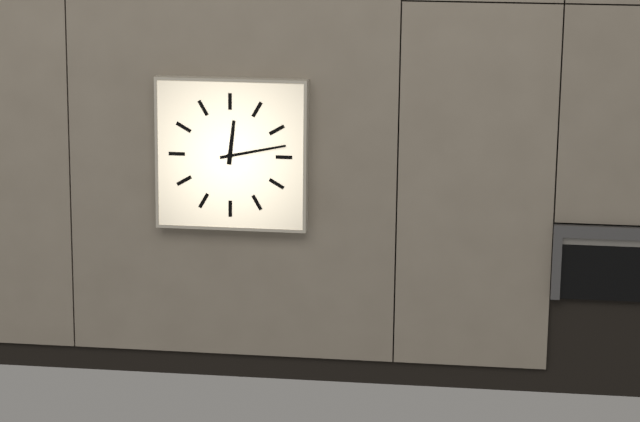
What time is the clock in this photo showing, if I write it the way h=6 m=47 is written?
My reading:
h=12 m=13
